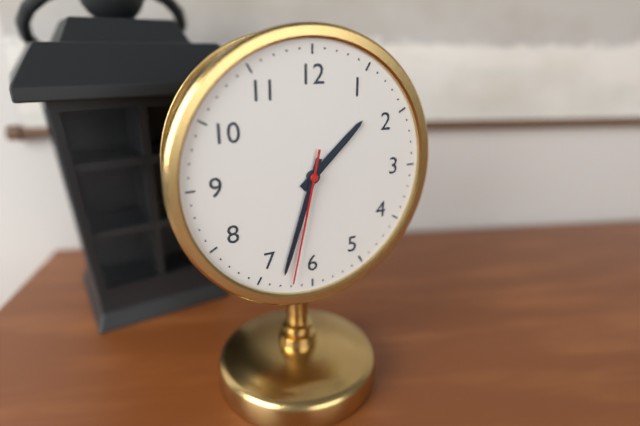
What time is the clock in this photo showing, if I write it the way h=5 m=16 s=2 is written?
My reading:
h=1 m=33 s=32
